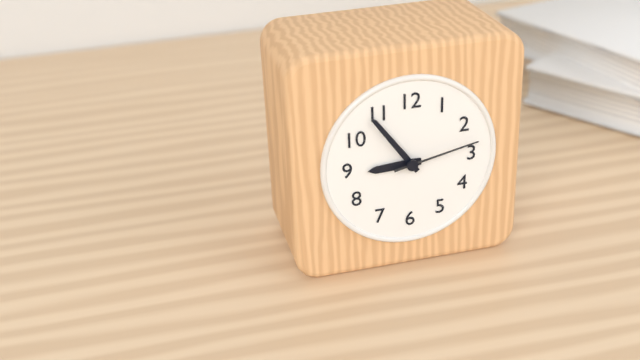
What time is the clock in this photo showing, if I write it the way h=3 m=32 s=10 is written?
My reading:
h=8 m=54 s=13
